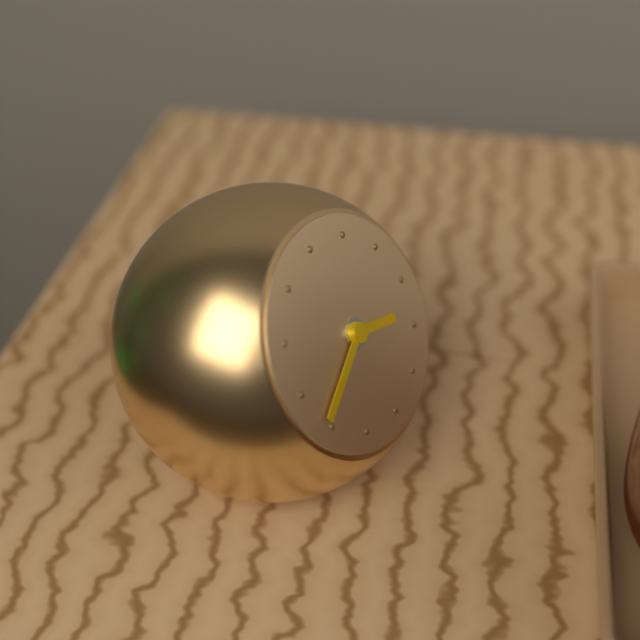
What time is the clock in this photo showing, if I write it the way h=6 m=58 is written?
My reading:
h=3 m=41
